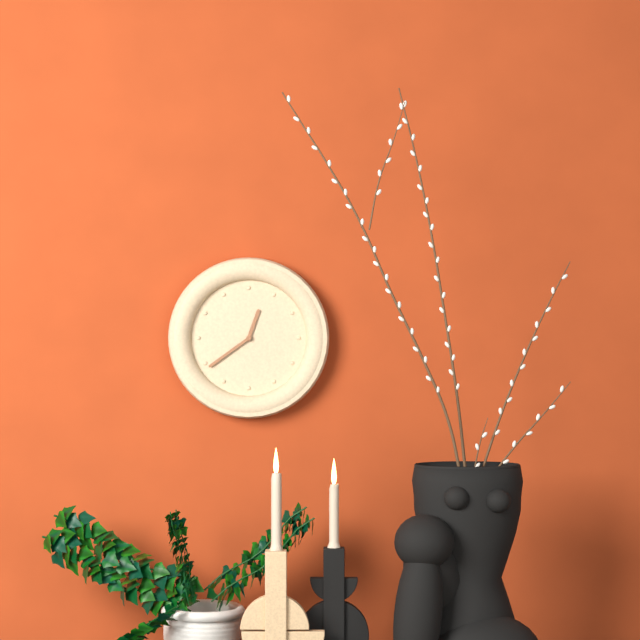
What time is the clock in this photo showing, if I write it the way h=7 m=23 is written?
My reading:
h=12 m=39
